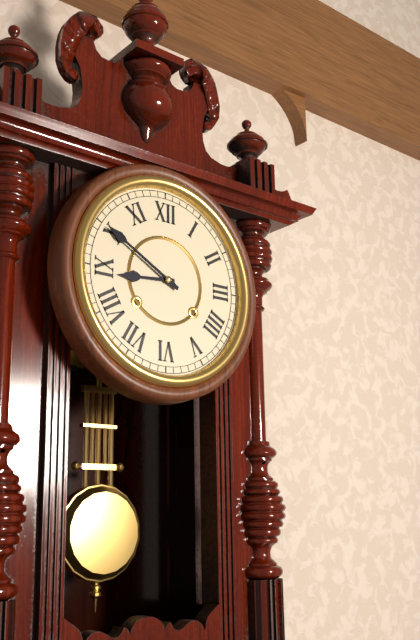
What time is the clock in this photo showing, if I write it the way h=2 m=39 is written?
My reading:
h=8 m=50
